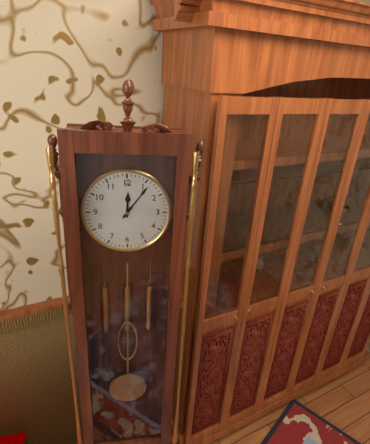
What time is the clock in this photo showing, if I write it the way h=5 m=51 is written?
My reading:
h=12 m=6
